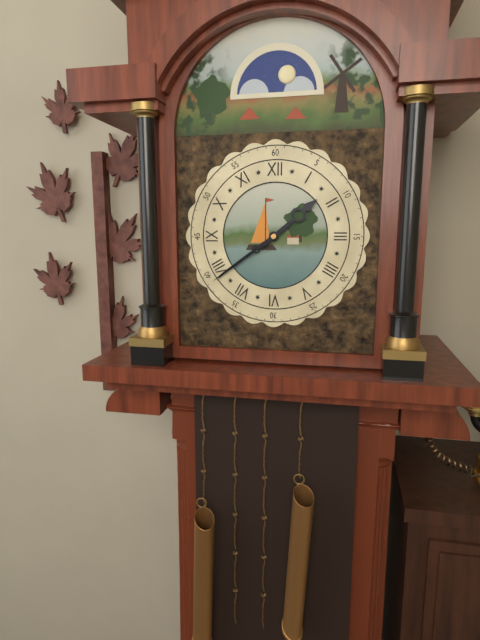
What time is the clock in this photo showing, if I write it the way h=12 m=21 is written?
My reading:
h=1 m=39
